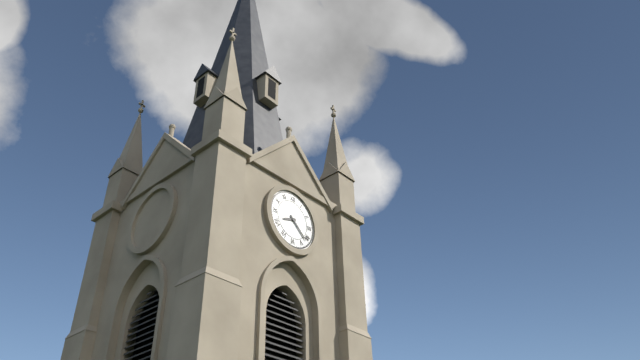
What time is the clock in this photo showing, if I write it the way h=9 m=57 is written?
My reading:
h=8 m=22
